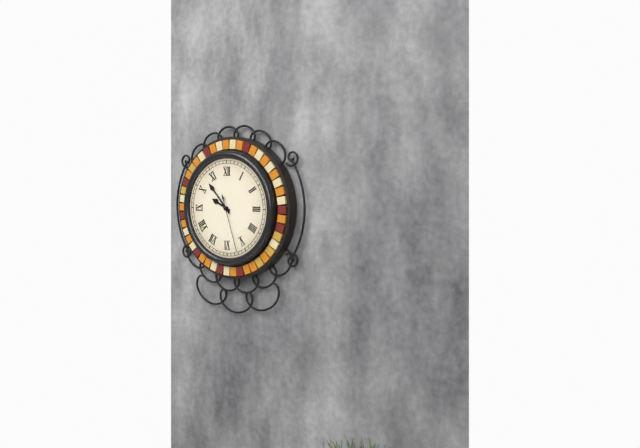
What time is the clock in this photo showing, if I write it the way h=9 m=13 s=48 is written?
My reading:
h=9 m=53 s=27
